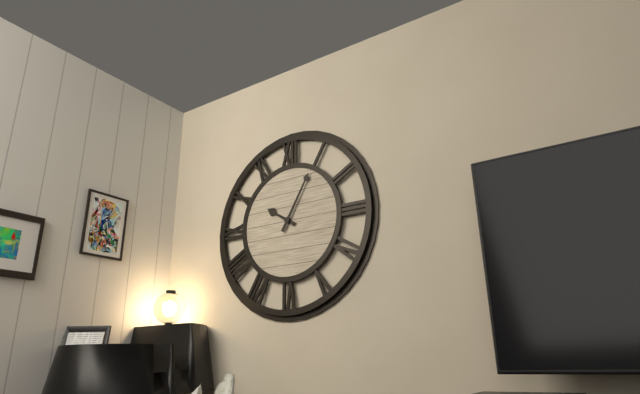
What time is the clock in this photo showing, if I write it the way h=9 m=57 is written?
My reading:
h=10 m=5
